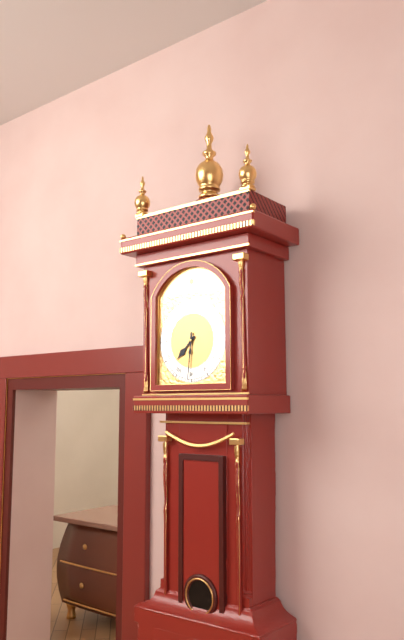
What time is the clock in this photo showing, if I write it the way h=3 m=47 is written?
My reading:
h=7 m=31
